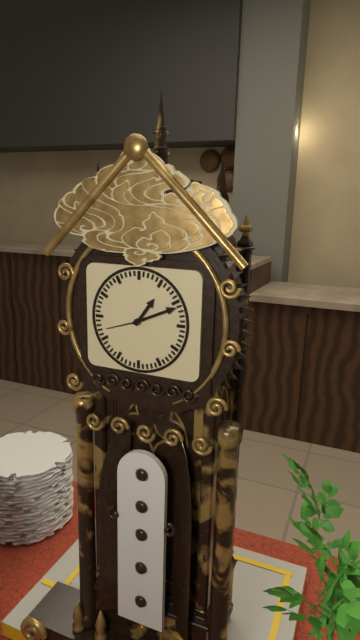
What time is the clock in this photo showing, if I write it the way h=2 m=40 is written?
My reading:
h=1 m=11
